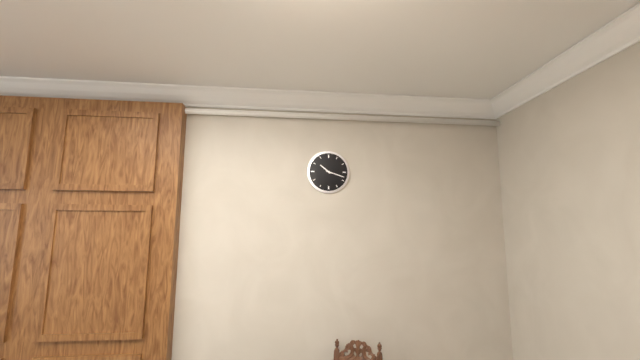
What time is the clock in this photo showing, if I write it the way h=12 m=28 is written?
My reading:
h=10 m=18
